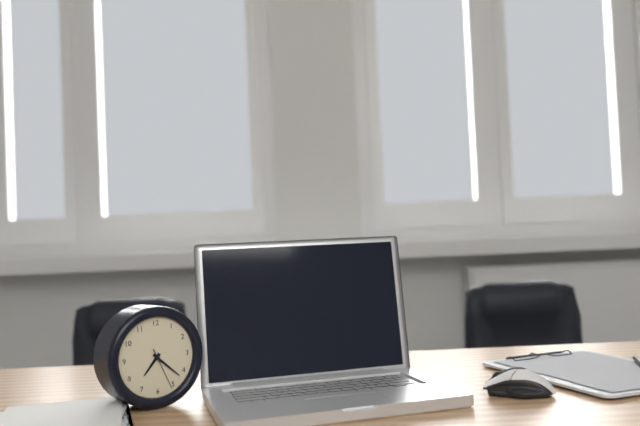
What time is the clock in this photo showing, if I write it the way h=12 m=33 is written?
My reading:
h=7 m=22
